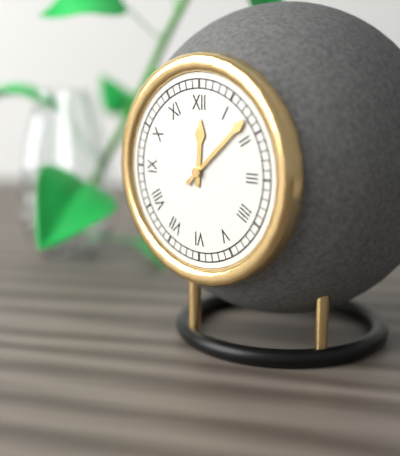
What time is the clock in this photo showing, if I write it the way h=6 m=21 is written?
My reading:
h=12 m=8
